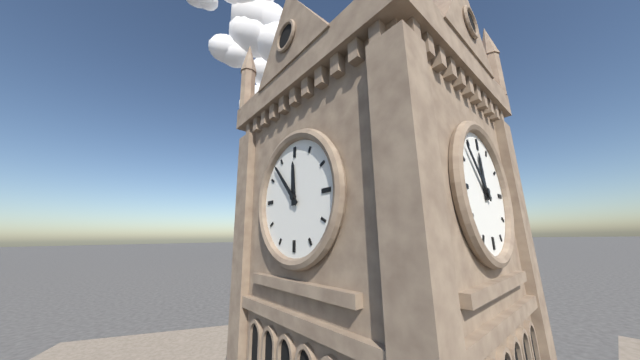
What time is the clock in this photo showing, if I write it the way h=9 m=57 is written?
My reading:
h=11 m=53
